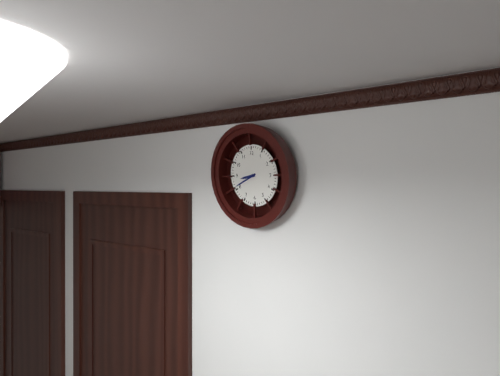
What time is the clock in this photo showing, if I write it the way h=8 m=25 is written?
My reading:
h=8 m=41
